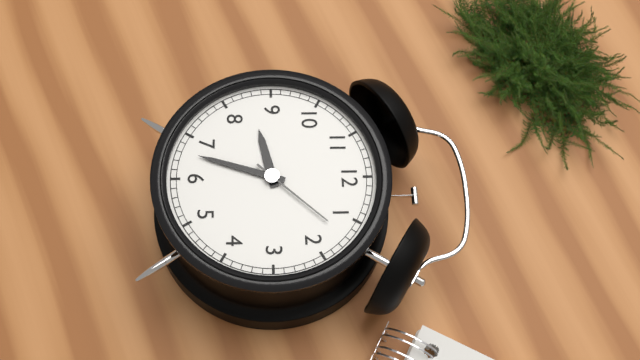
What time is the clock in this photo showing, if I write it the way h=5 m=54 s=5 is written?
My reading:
h=8 m=33 s=7
